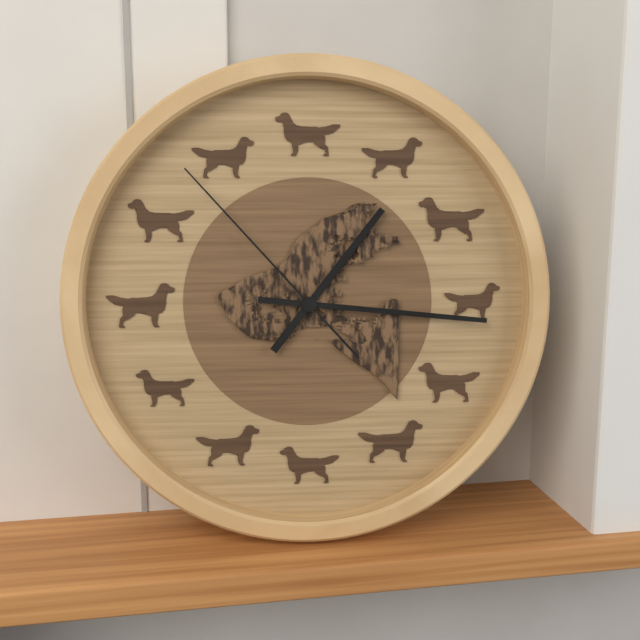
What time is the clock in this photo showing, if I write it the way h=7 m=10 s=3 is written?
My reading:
h=1 m=16 s=53
